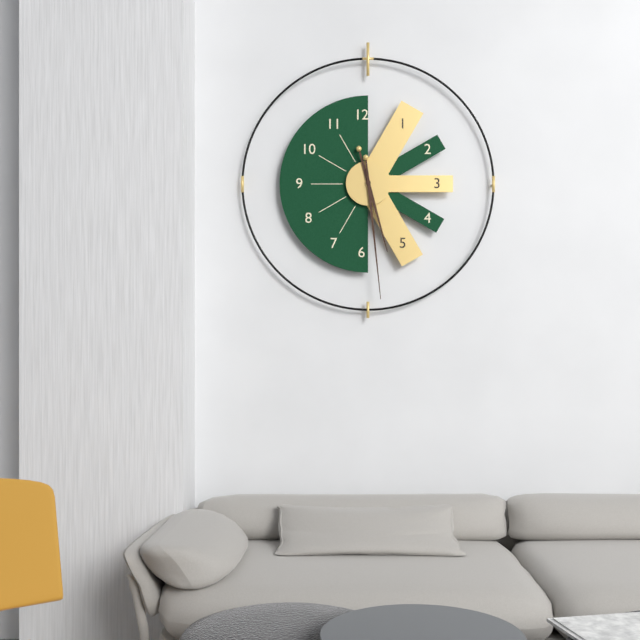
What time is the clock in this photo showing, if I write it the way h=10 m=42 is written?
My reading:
h=5 m=29
